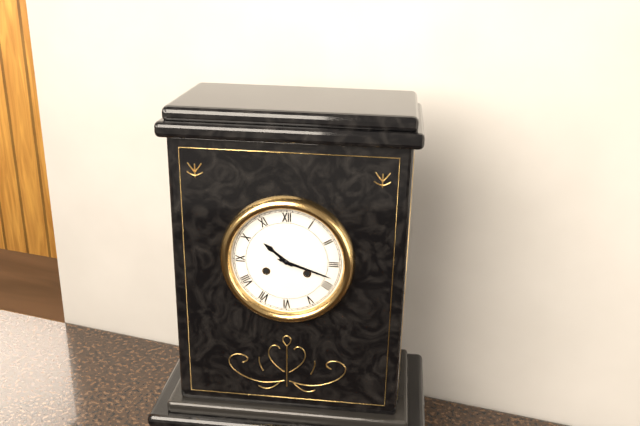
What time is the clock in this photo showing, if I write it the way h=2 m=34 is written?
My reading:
h=10 m=18
